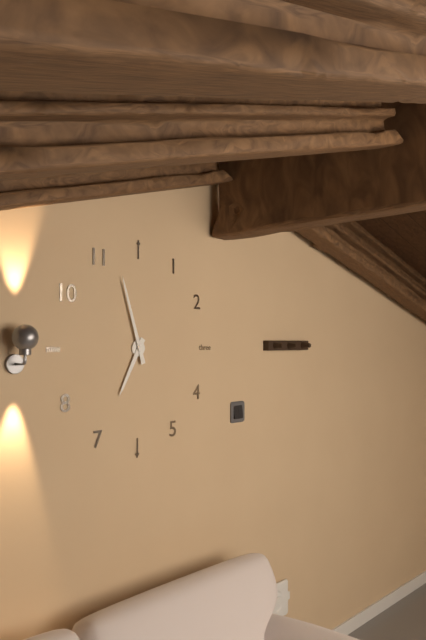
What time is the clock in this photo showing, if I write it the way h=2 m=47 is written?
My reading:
h=6 m=57
